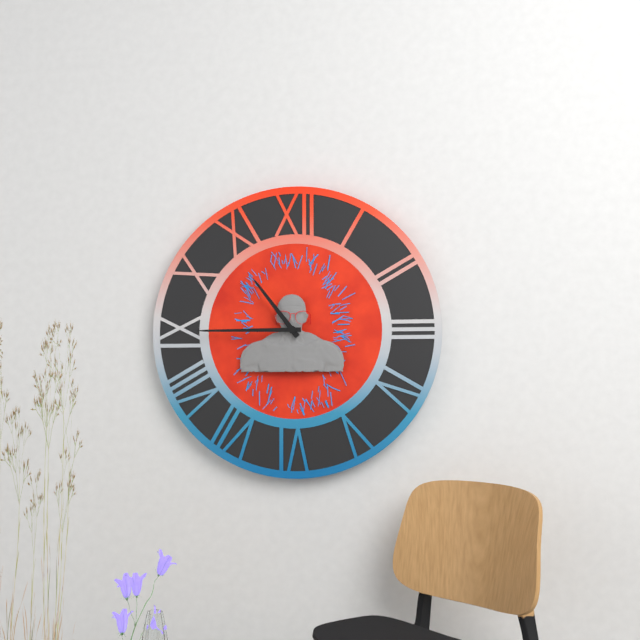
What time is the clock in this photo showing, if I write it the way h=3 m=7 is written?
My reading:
h=10 m=45
